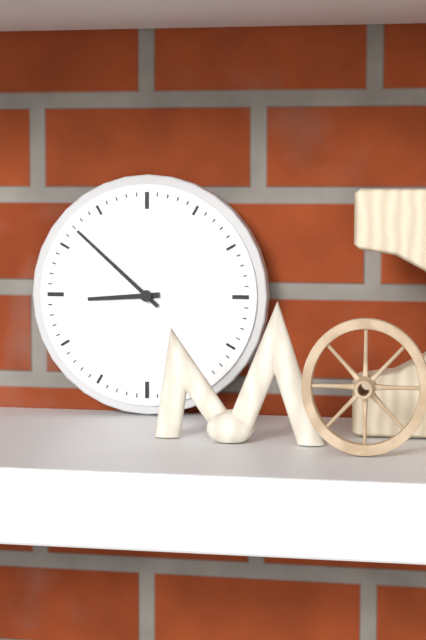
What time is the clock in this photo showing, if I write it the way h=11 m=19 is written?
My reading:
h=8 m=52
